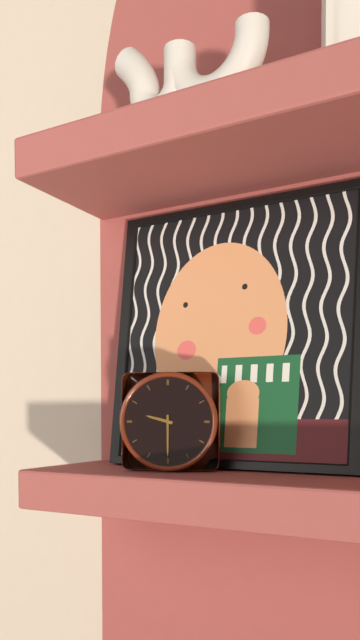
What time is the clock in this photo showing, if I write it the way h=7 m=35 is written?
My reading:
h=9 m=30
